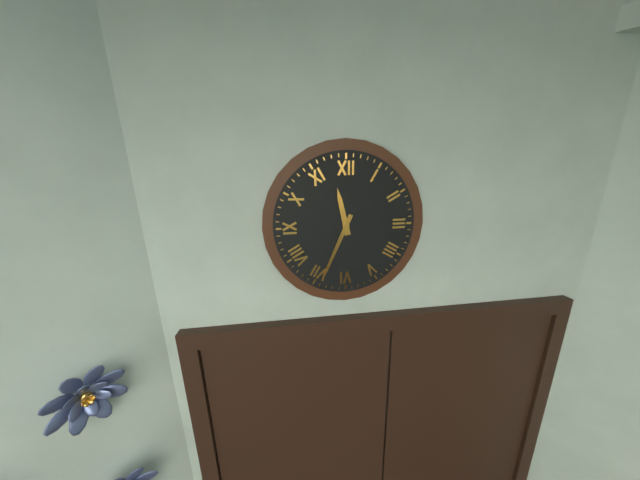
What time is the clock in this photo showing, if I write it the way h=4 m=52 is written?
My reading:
h=11 m=34
